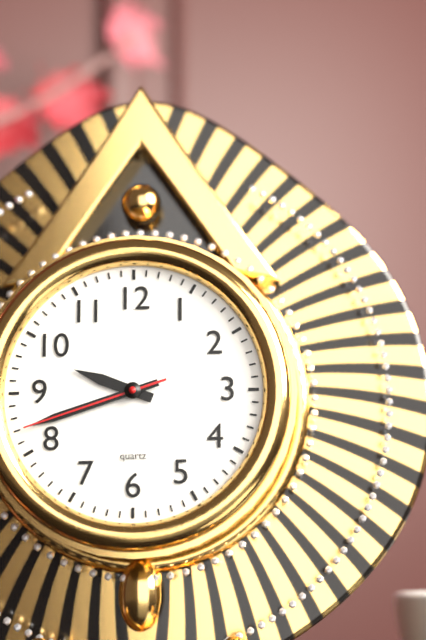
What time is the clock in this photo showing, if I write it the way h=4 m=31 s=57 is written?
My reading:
h=9 m=42 s=42
